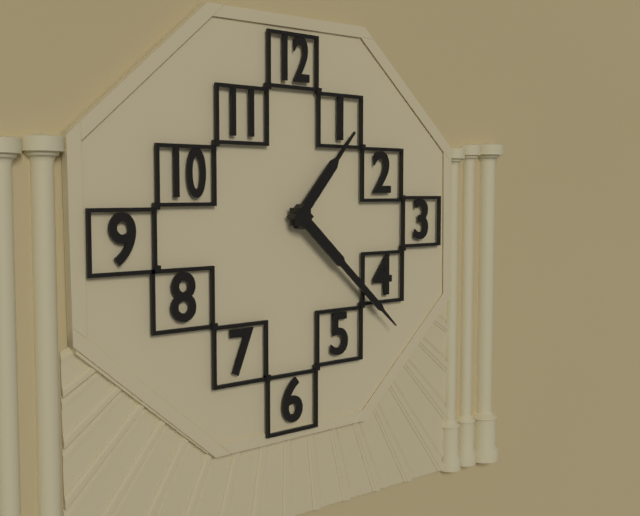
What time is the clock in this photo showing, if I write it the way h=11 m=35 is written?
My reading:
h=1 m=22
